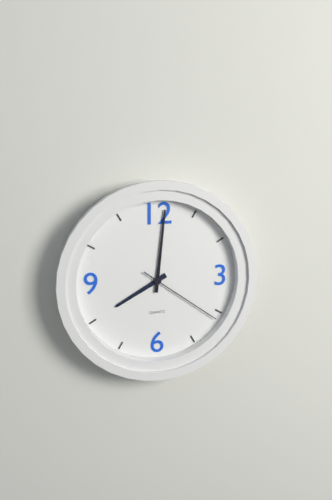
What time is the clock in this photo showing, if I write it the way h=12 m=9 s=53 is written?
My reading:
h=8 m=1 s=21
